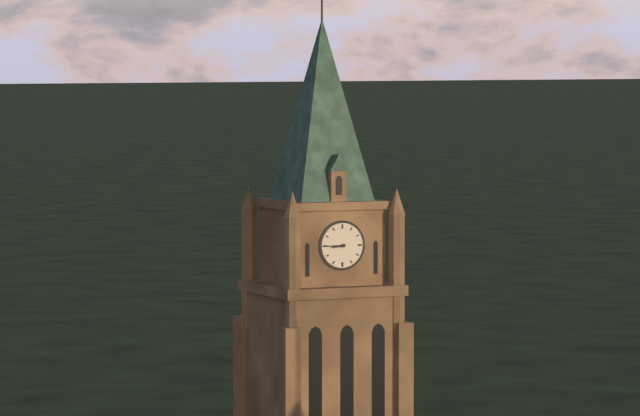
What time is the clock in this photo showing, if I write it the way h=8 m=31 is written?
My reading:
h=8 m=45
